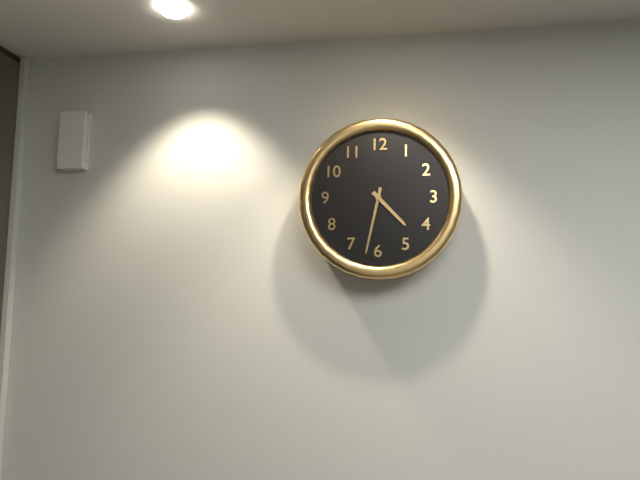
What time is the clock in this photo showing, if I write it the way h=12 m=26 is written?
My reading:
h=4 m=32
